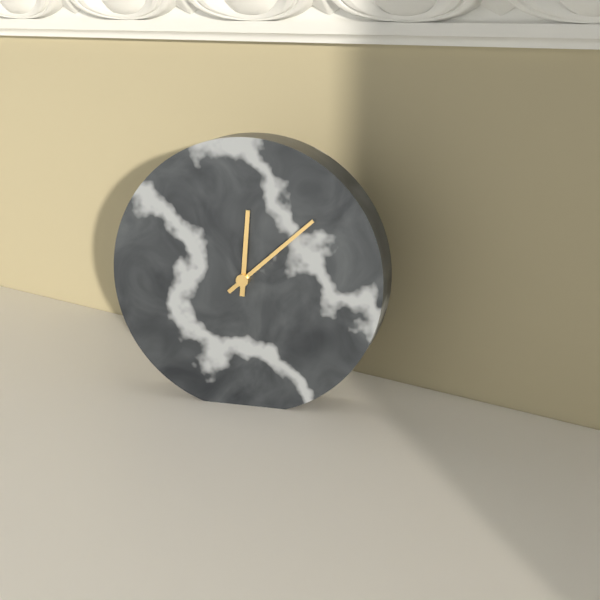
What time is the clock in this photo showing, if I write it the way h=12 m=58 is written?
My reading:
h=12 m=8
